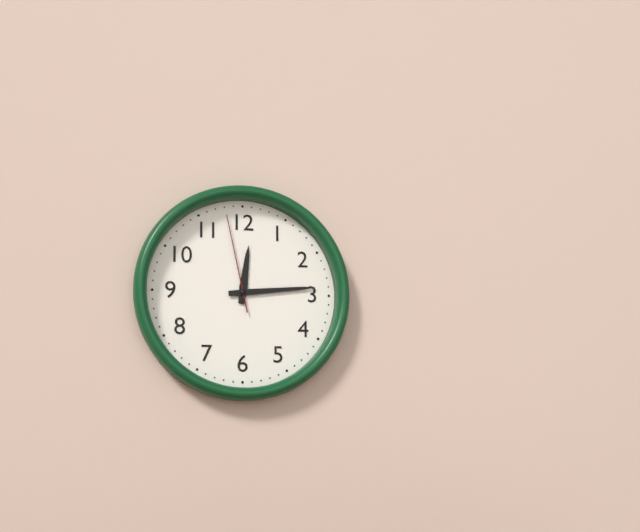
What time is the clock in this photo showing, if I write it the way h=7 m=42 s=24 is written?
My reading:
h=12 m=14 s=58
